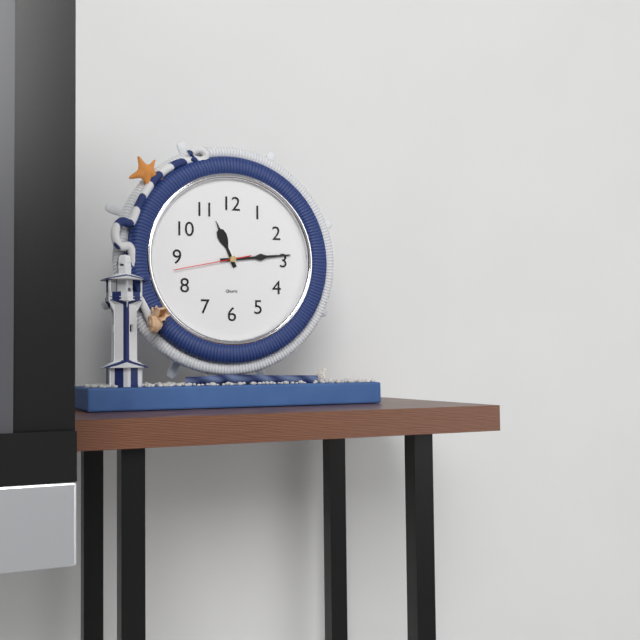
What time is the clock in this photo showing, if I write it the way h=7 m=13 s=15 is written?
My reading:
h=11 m=14 s=43
